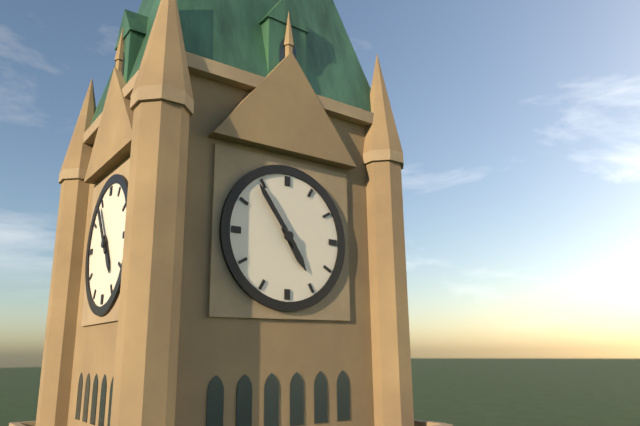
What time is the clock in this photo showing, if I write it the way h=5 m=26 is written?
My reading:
h=4 m=54
